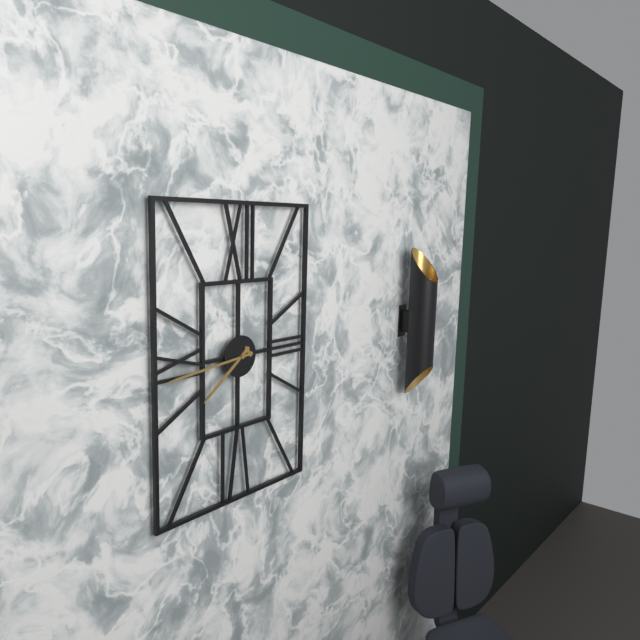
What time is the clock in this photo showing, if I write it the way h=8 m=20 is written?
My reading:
h=7 m=44
